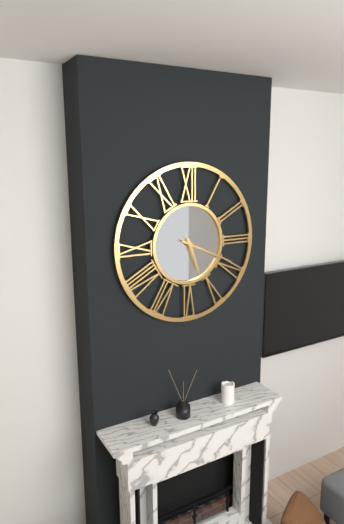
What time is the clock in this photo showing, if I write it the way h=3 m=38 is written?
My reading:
h=5 m=19
